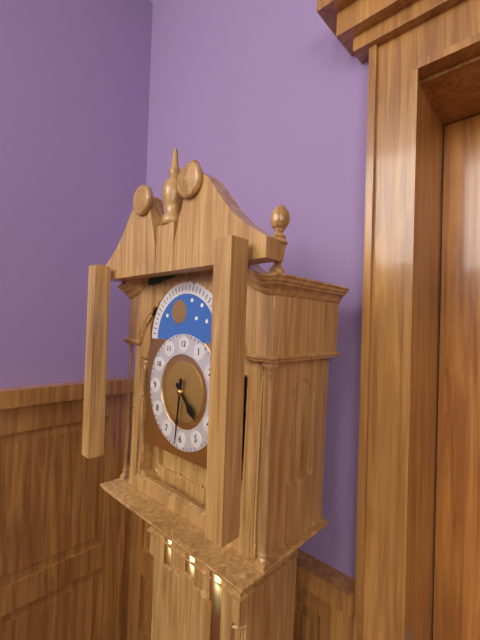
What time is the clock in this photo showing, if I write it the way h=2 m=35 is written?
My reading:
h=4 m=31
